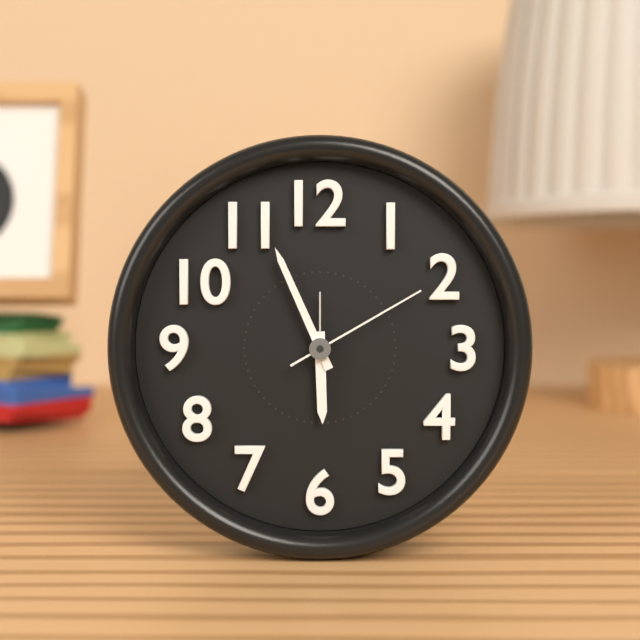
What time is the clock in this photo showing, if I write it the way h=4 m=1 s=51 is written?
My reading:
h=5 m=56 s=10
